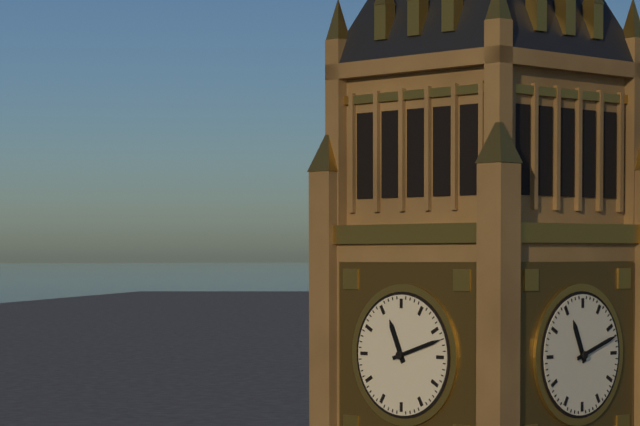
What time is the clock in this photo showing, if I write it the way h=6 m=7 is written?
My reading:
h=11 m=12
